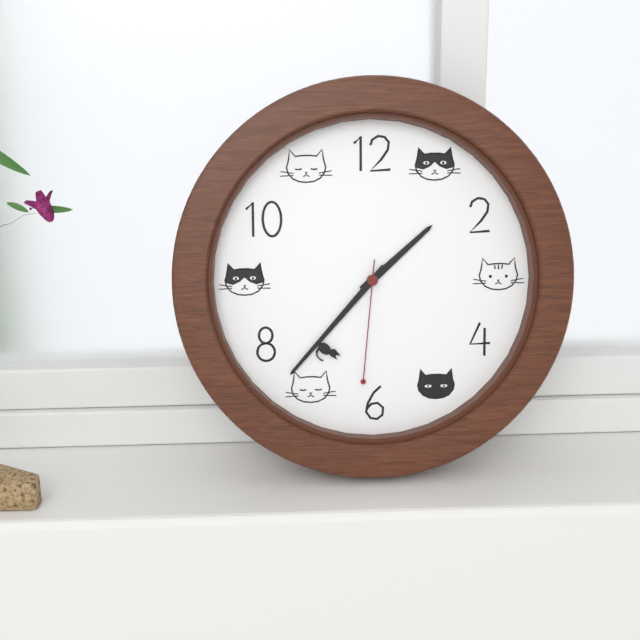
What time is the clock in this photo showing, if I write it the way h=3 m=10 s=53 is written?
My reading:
h=1 m=37 s=31
